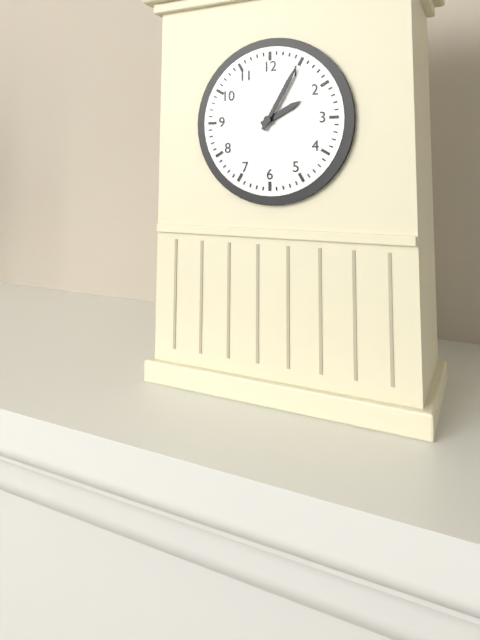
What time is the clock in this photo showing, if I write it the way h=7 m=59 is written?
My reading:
h=2 m=5
